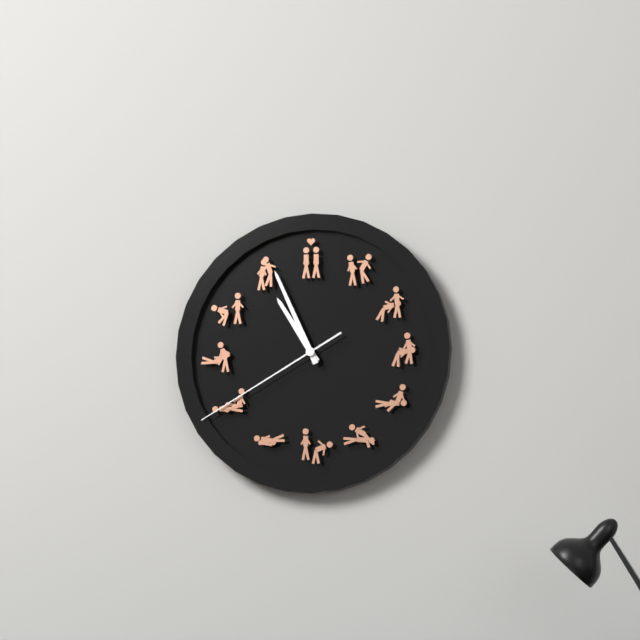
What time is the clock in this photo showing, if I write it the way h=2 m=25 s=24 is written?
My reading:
h=10 m=56 s=40
